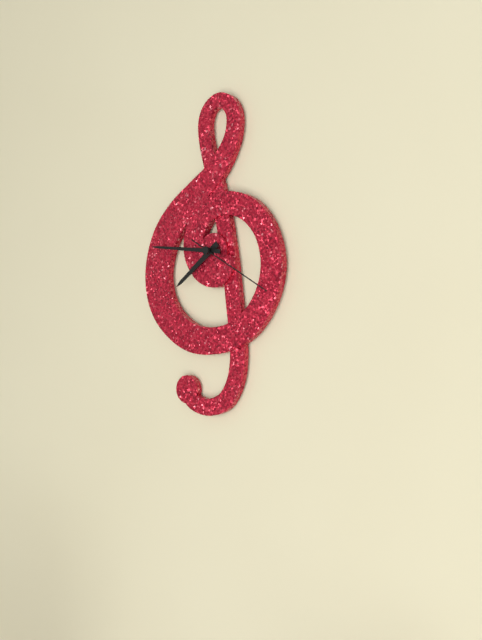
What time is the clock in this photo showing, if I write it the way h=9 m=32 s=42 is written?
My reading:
h=7 m=46 s=20
